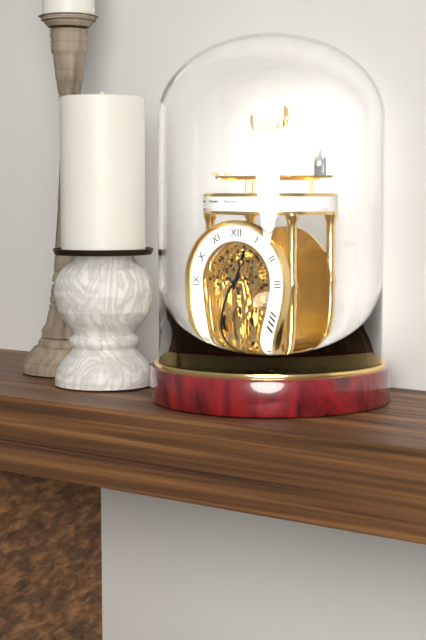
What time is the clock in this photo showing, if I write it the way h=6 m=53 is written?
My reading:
h=12 m=37
